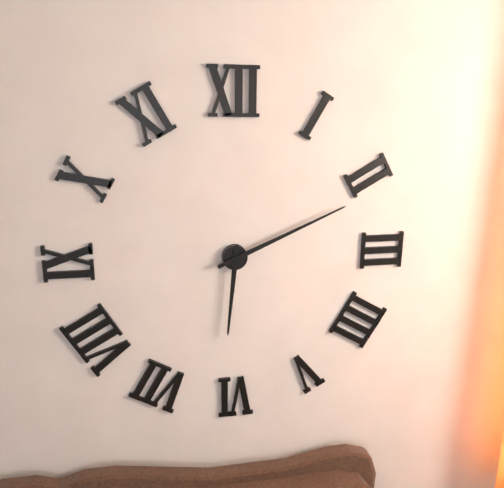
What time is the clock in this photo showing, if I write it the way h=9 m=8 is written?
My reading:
h=6 m=11
